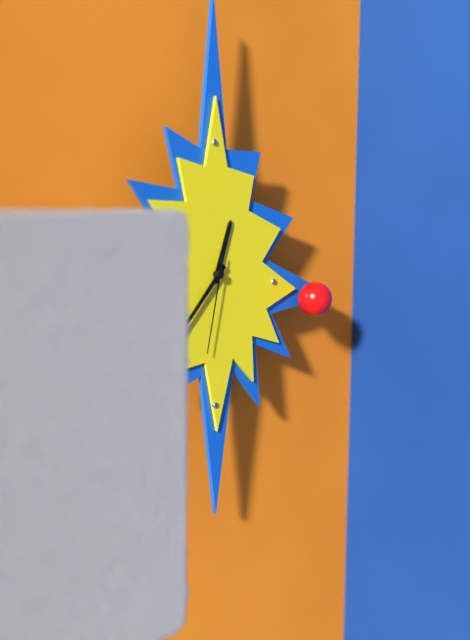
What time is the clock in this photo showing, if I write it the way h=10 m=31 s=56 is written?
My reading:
h=12 m=37 s=32
